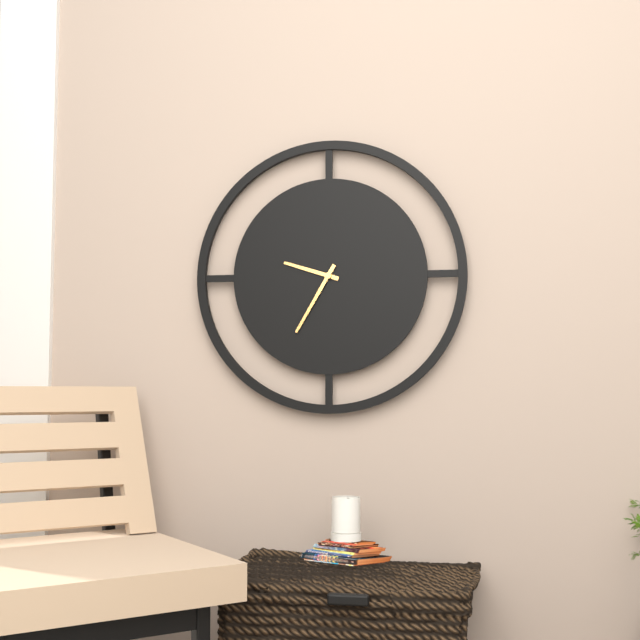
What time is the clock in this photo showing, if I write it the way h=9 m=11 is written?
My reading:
h=9 m=35
